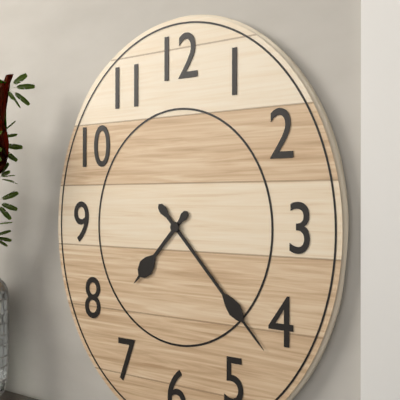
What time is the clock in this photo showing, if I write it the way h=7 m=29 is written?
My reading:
h=7 m=23
